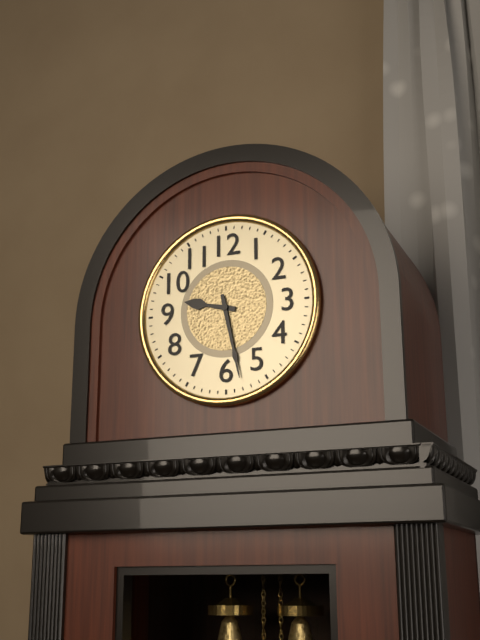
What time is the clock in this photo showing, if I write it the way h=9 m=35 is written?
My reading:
h=9 m=28
